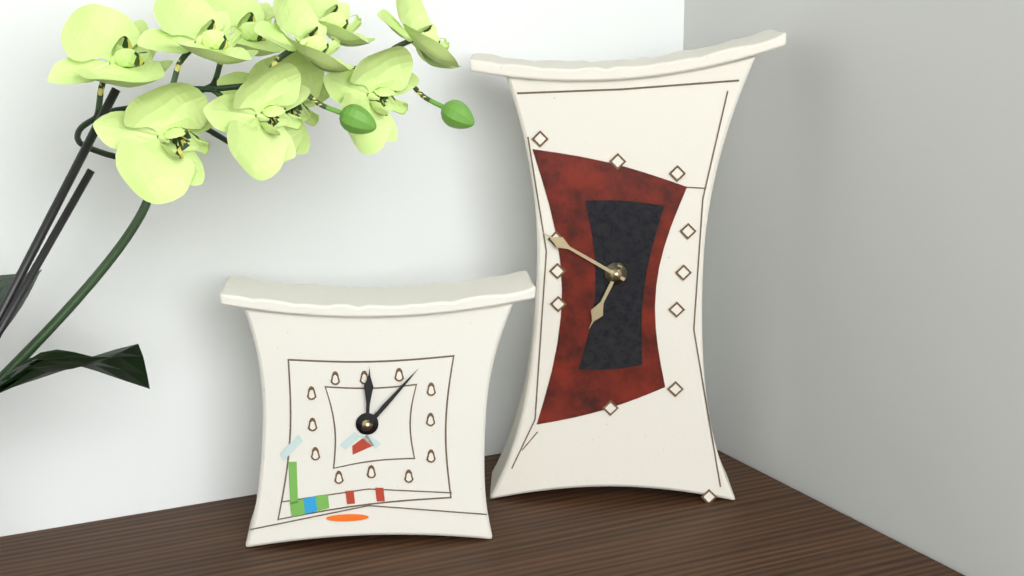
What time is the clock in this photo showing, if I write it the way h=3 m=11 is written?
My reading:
h=6 m=50
